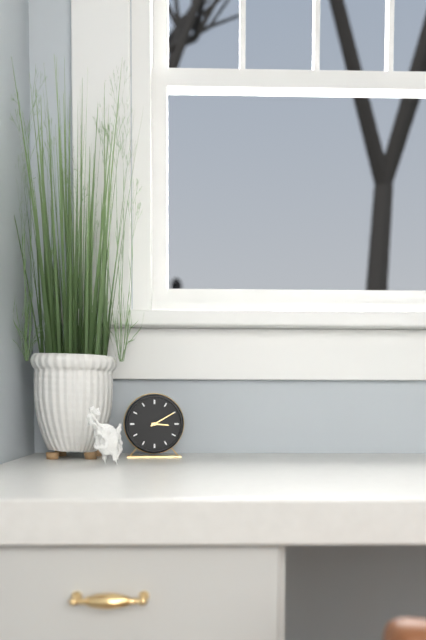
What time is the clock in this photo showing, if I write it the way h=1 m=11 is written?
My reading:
h=3 m=10
